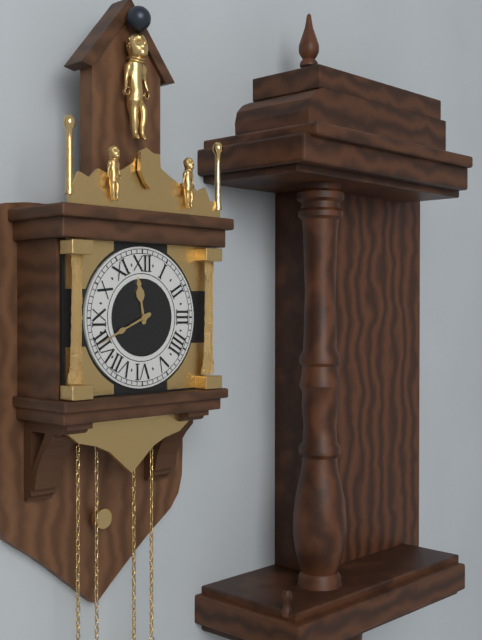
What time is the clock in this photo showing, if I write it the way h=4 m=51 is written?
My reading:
h=11 m=41
